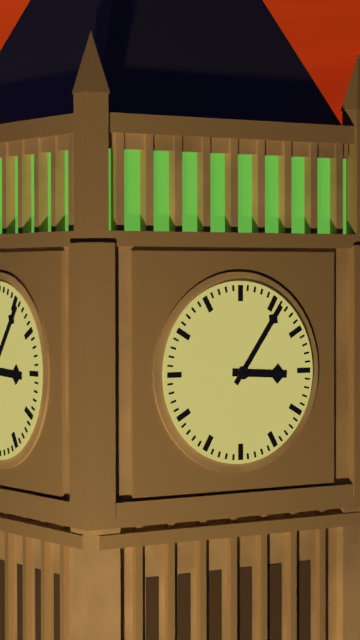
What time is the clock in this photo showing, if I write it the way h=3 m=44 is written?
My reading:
h=3 m=6
